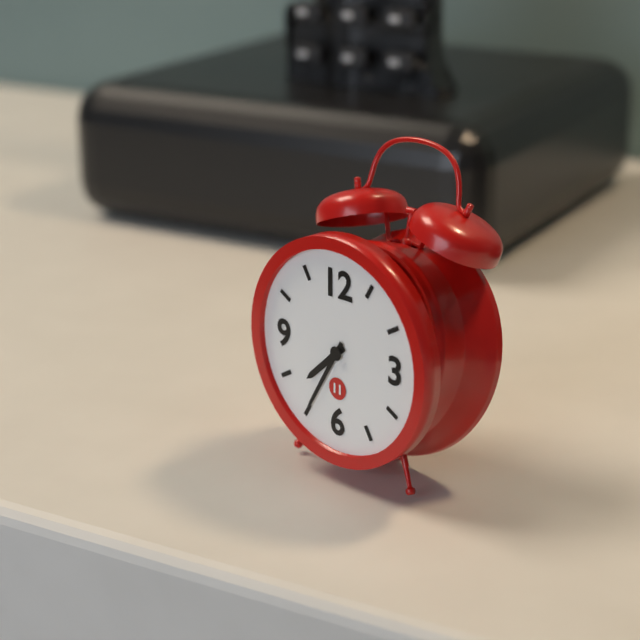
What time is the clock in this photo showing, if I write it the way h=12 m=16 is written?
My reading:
h=7 m=35
